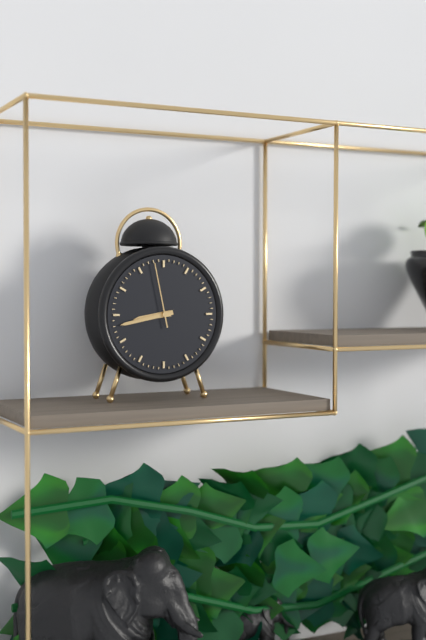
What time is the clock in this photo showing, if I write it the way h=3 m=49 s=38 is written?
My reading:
h=8 m=43 s=58
